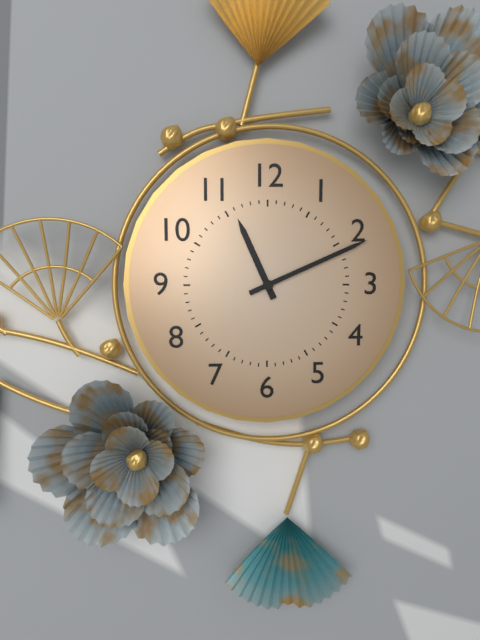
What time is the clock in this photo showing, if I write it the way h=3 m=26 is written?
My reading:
h=11 m=11
